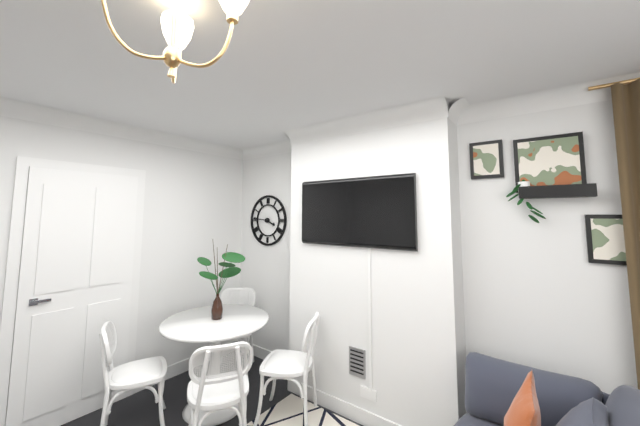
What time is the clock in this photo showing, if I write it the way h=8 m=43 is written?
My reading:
h=3 m=46
